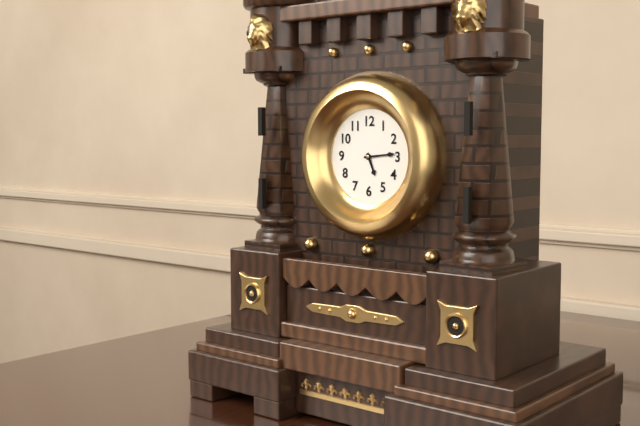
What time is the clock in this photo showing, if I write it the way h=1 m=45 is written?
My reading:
h=5 m=14
